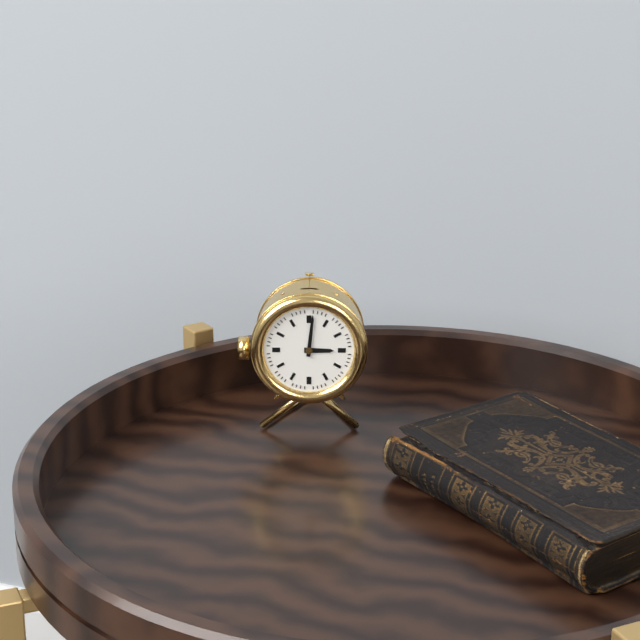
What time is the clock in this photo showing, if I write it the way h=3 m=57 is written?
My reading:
h=3 m=1
